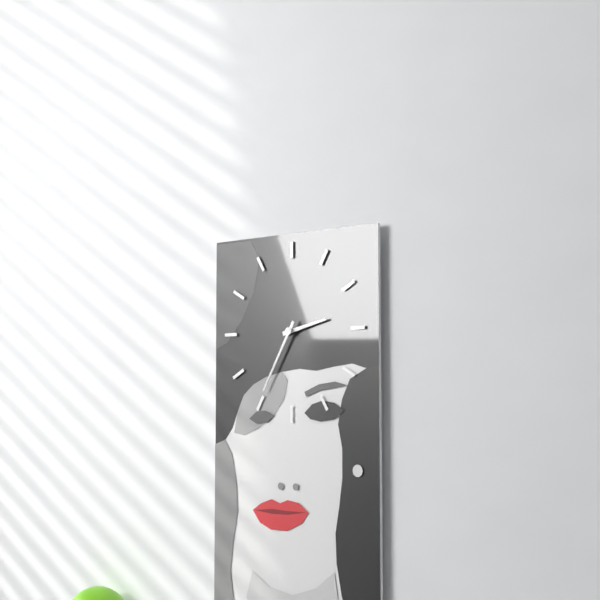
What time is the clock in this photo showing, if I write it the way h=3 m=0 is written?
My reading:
h=2 m=35
